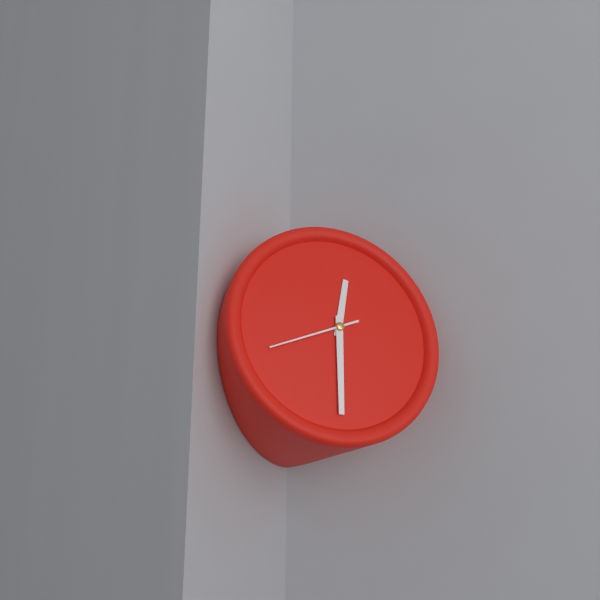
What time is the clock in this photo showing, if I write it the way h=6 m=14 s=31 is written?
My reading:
h=12 m=31 s=42
